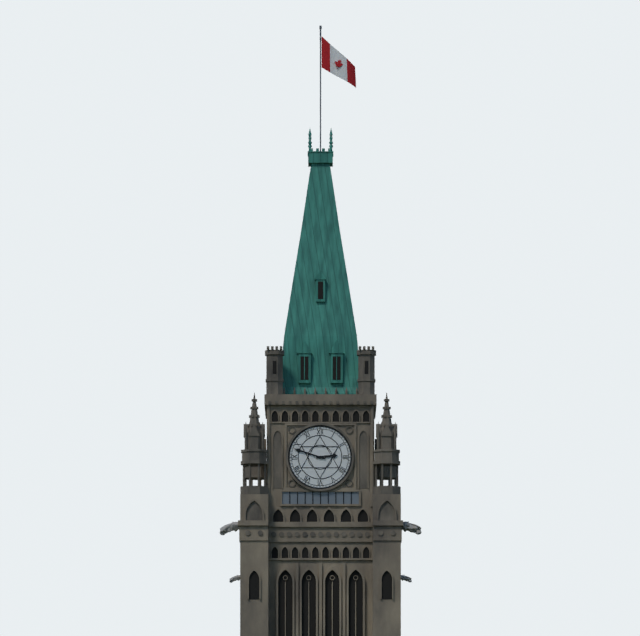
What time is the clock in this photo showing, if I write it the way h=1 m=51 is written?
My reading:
h=2 m=48
